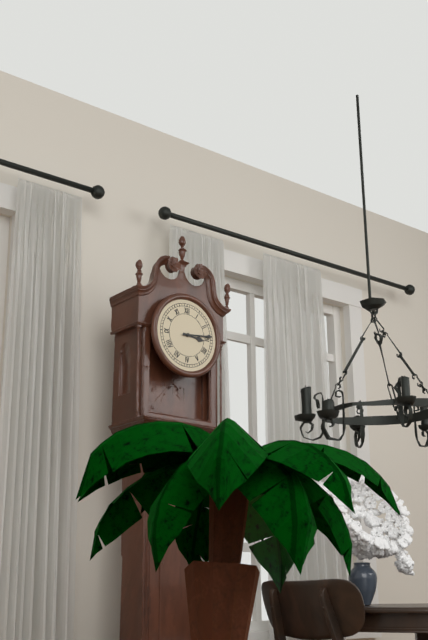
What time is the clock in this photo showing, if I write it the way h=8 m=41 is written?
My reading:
h=3 m=14
